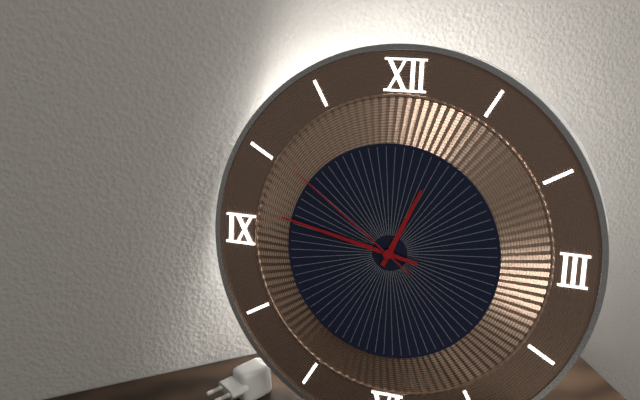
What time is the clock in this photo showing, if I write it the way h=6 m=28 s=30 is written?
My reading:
h=12 m=47 s=51
